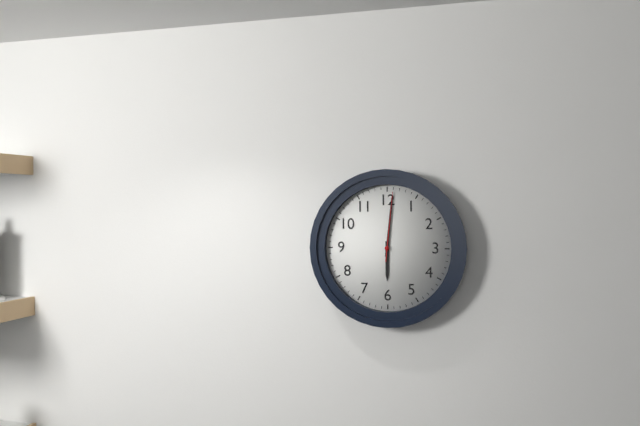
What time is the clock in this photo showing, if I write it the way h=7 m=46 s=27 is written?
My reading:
h=6 m=1 s=1
